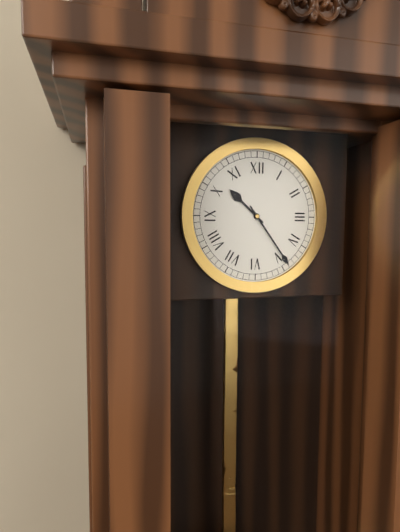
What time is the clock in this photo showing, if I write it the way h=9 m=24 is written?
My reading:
h=10 m=24
